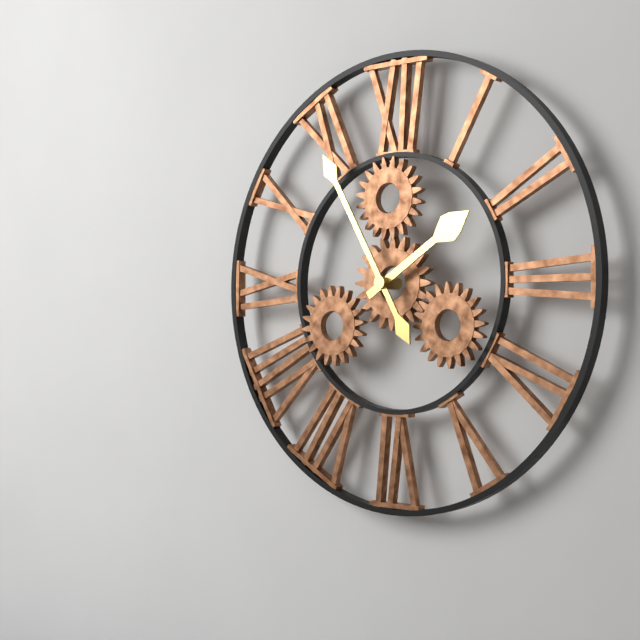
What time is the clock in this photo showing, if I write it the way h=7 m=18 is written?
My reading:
h=1 m=55
